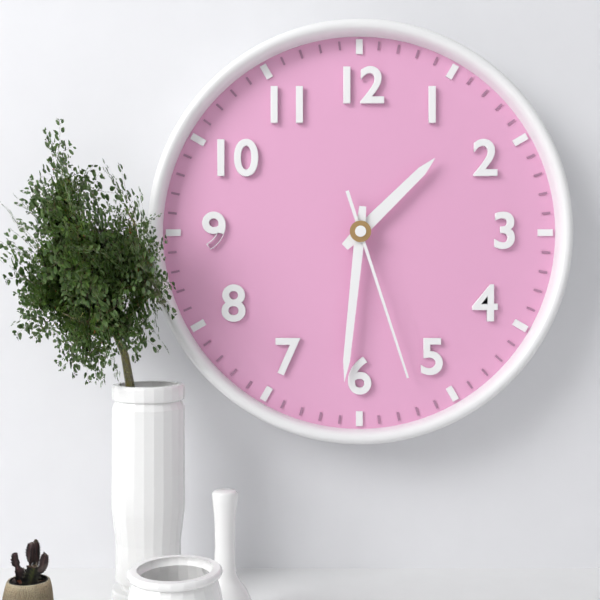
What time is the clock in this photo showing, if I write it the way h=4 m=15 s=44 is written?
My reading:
h=1 m=31 s=27
